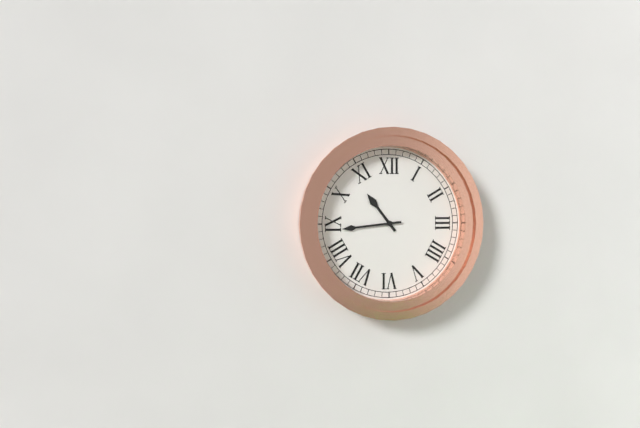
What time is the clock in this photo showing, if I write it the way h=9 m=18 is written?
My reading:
h=10 m=44
